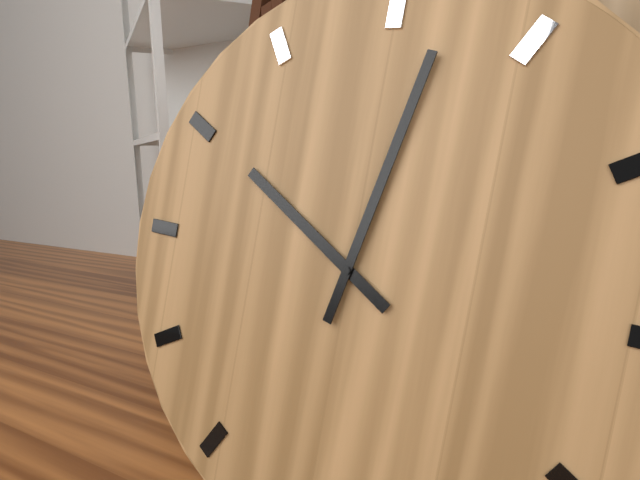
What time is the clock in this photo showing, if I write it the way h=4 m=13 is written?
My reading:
h=10 m=2
